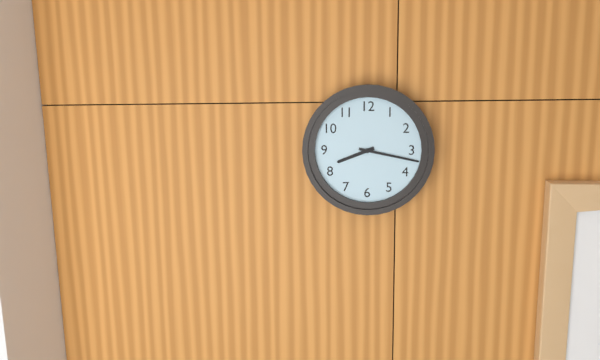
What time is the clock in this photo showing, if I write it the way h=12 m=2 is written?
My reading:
h=8 m=17
